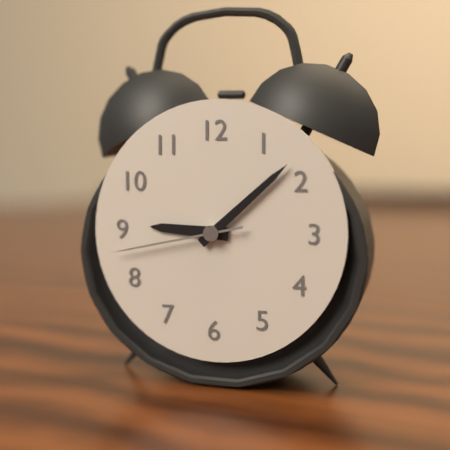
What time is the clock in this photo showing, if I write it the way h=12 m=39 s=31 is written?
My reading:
h=9 m=8 s=43
